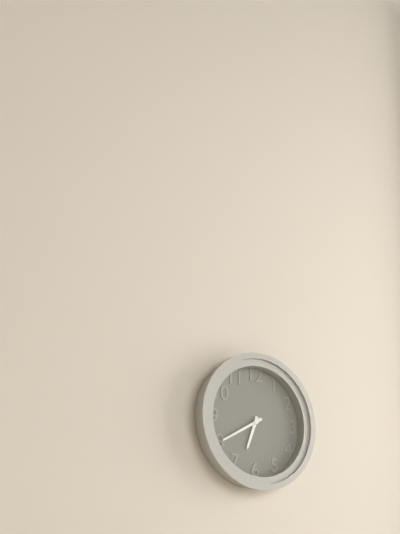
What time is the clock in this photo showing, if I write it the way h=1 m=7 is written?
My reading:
h=6 m=40
